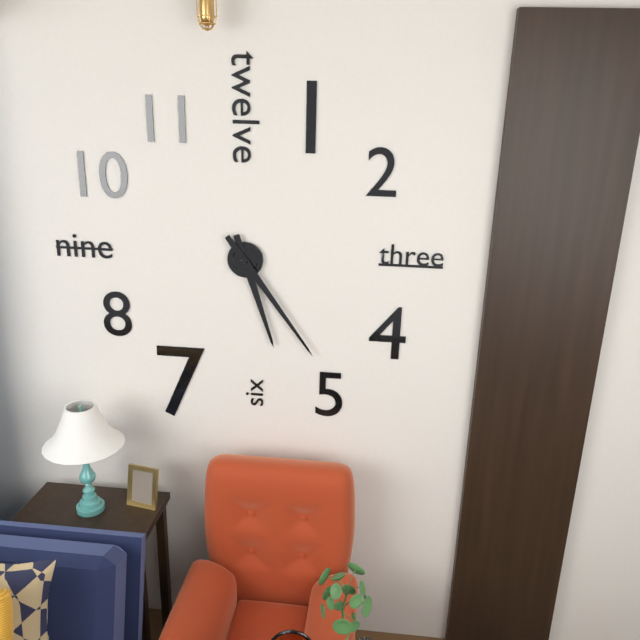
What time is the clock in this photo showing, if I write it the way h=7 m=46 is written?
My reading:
h=5 m=24
